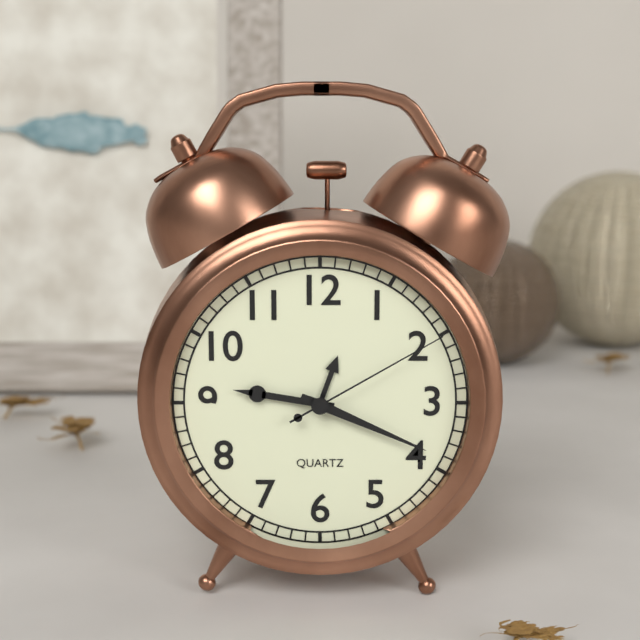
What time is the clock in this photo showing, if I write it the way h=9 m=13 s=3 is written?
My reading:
h=9 m=19 s=10
